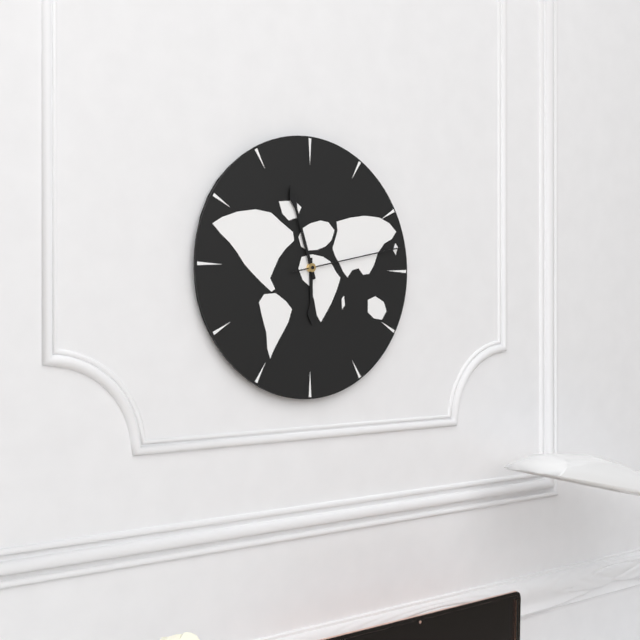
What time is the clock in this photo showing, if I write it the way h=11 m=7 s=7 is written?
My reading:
h=5 m=57 s=13
